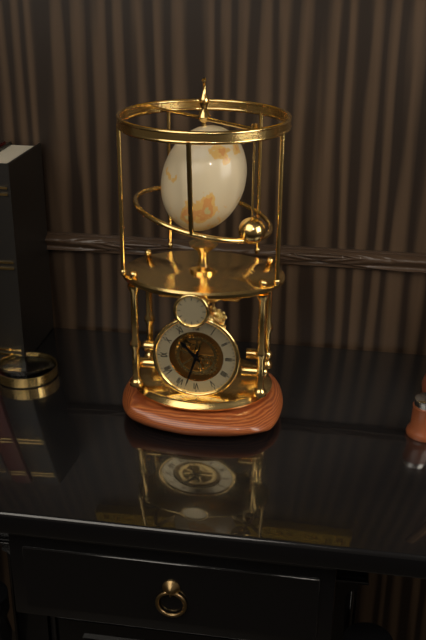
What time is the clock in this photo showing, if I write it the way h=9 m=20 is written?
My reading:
h=10 m=33
